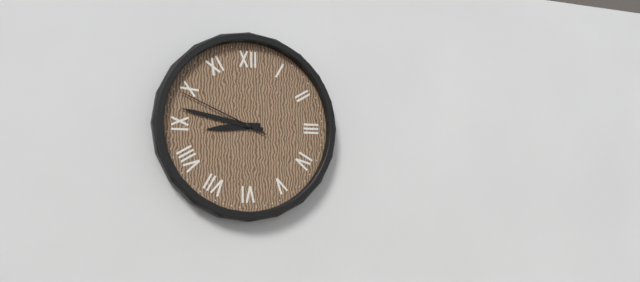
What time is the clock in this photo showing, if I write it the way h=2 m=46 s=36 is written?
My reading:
h=8 m=47 s=49
